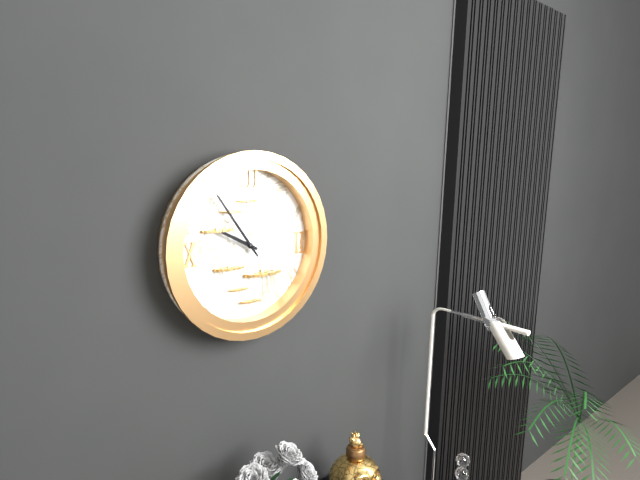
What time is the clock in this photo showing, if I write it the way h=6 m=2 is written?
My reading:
h=9 m=54
